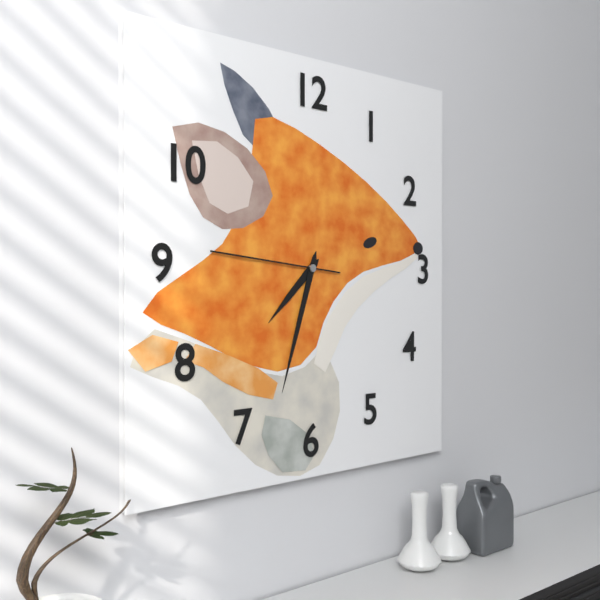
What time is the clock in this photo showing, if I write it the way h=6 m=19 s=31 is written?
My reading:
h=7 m=33 s=46
